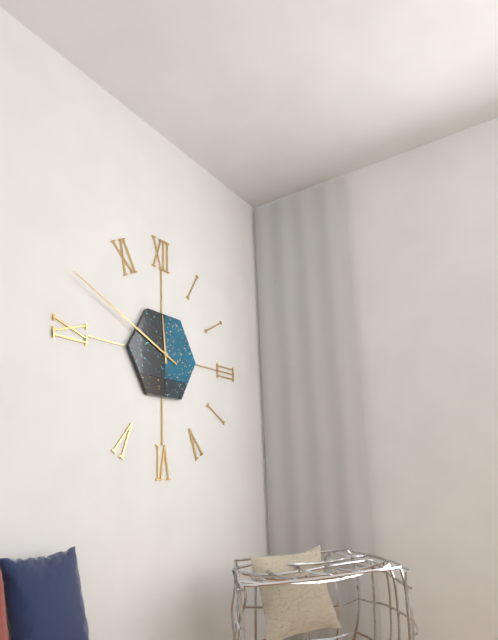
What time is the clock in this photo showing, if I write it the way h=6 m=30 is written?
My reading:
h=11 m=49
